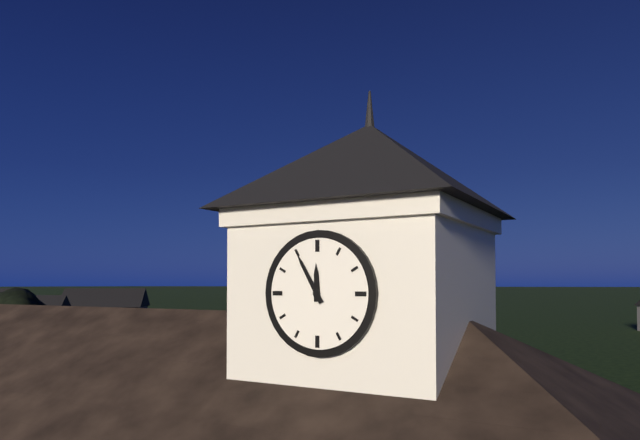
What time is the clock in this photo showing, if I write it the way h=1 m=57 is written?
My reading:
h=11 m=55
